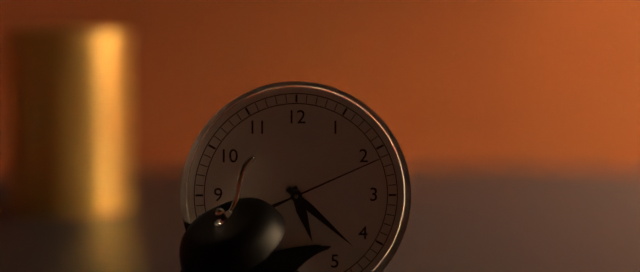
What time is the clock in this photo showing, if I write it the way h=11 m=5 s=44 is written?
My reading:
h=5 m=22 s=11
